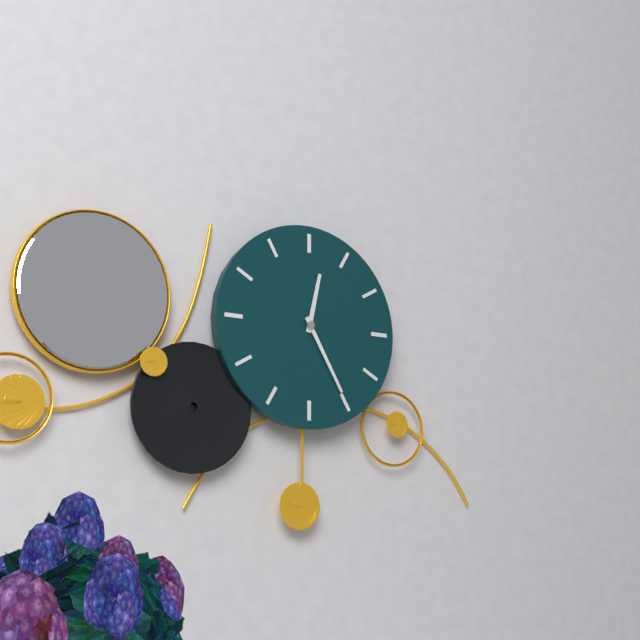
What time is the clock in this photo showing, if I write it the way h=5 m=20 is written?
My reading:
h=12 m=25
